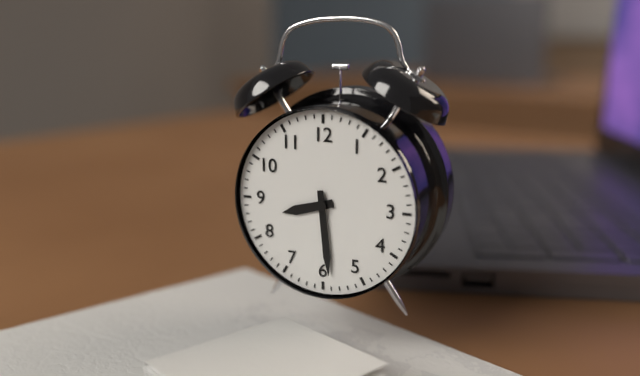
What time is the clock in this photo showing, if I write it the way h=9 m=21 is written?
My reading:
h=8 m=29
